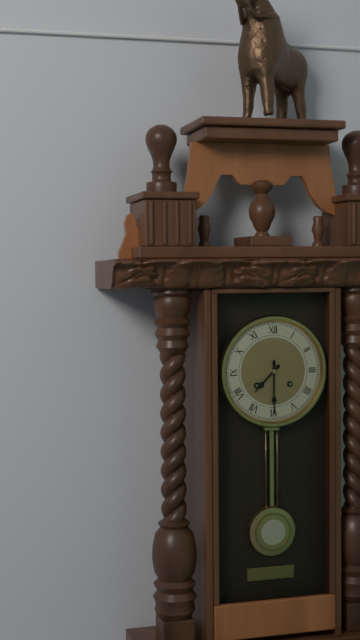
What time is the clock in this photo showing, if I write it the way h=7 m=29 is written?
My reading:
h=7 m=30
